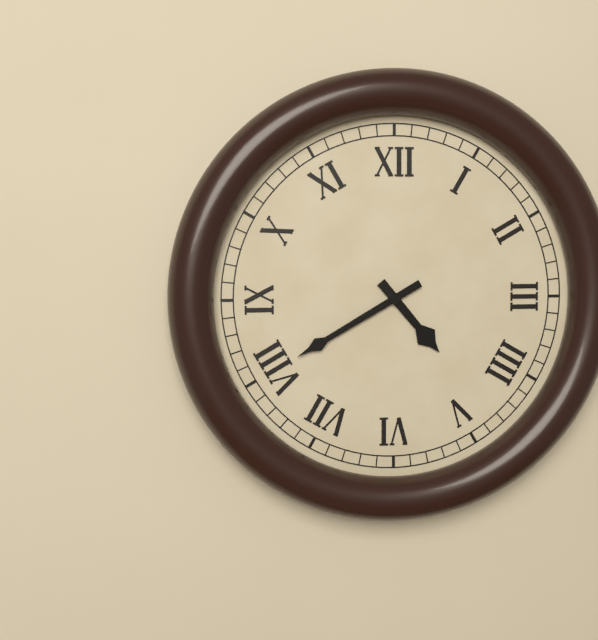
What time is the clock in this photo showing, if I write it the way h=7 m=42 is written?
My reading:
h=4 m=40
